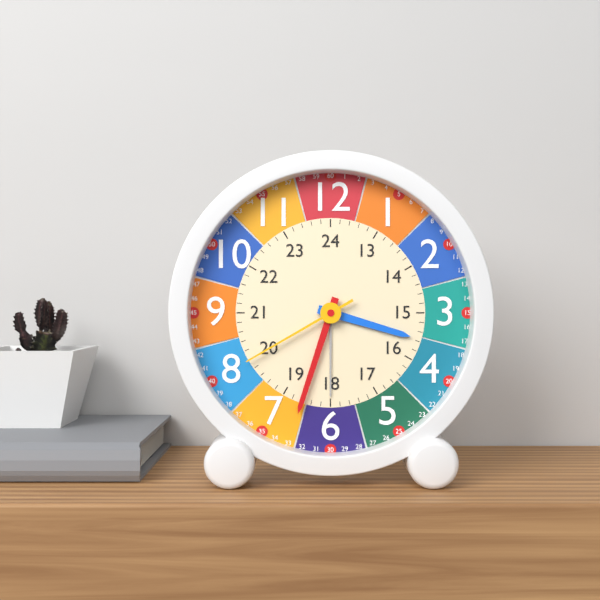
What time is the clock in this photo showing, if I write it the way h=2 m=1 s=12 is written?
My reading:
h=3 m=33 s=40
